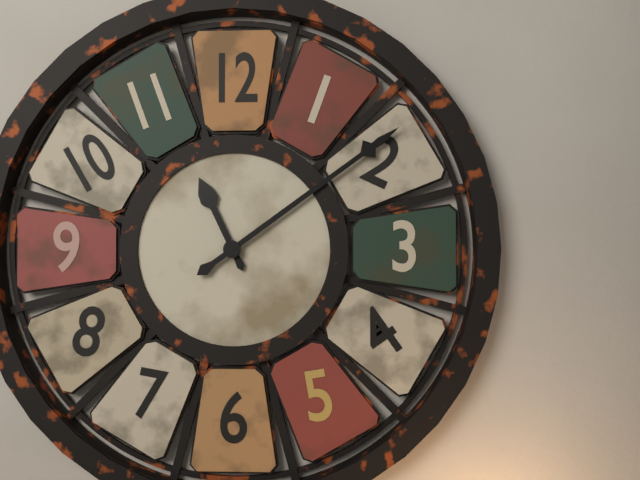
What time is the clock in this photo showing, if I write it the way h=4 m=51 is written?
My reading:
h=11 m=9
